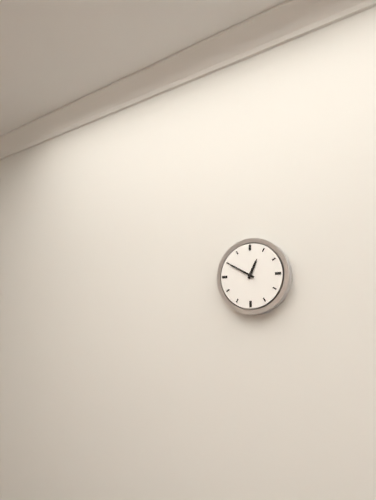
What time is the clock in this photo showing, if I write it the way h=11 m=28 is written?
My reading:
h=12 m=50
